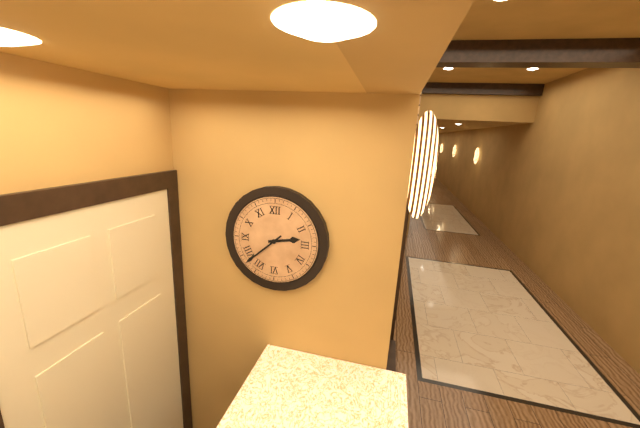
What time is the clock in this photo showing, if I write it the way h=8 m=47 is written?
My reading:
h=2 m=38
